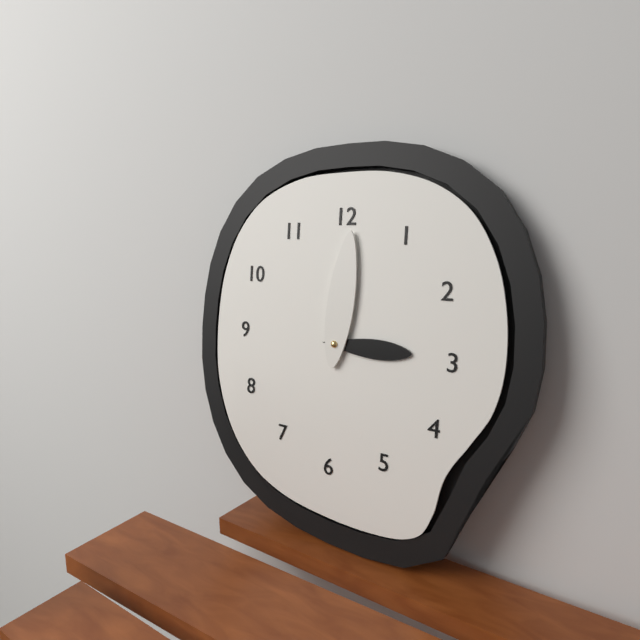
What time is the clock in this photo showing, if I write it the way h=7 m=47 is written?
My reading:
h=3 m=1
